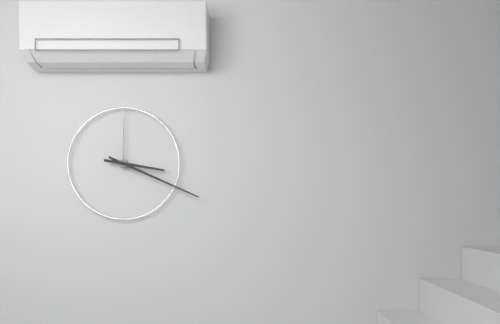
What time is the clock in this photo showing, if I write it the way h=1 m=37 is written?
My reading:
h=3 m=19
